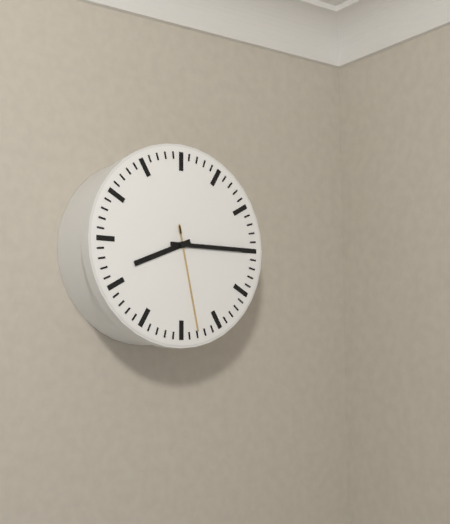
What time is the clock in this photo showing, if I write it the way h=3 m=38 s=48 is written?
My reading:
h=8 m=15 s=28
